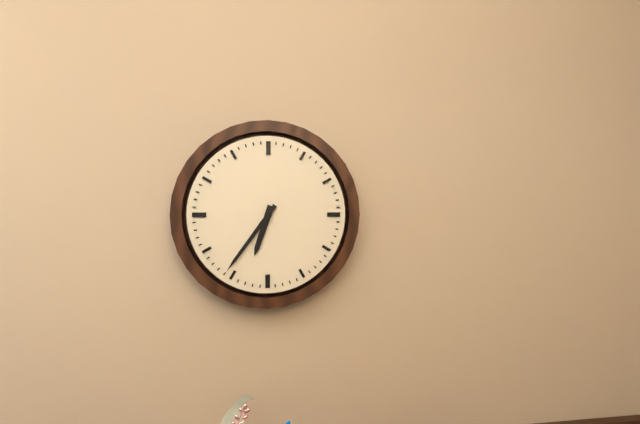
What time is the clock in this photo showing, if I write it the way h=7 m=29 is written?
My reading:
h=6 m=36
